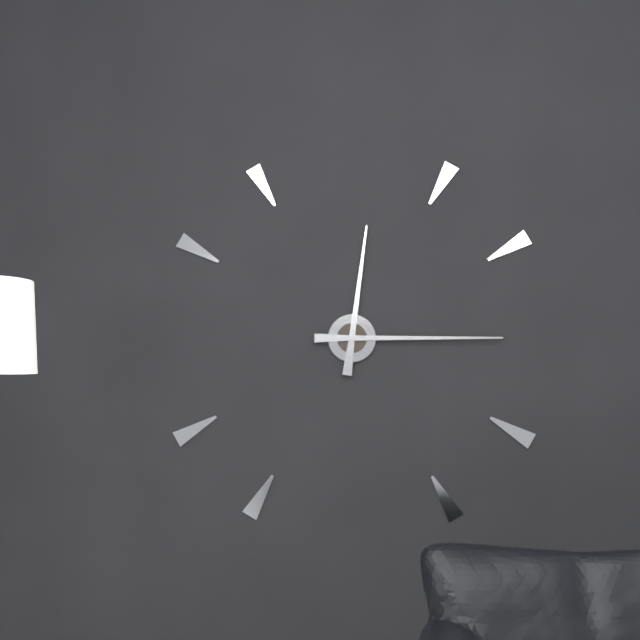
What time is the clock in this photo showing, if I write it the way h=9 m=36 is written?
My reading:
h=12 m=15
